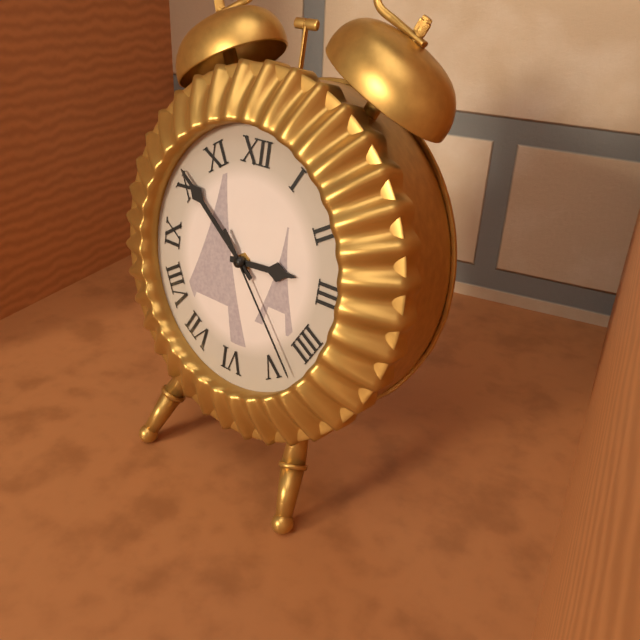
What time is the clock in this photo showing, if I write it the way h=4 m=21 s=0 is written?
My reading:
h=2 m=51 s=23
